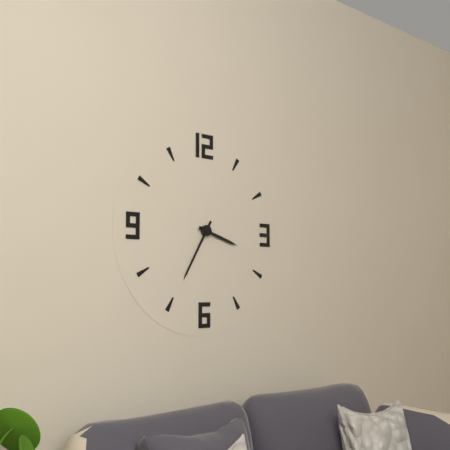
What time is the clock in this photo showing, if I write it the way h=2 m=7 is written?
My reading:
h=3 m=35
